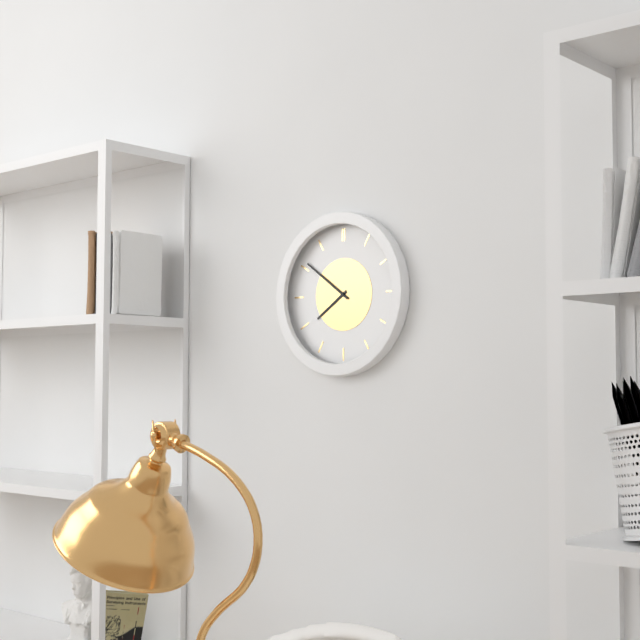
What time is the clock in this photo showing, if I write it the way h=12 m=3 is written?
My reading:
h=7 m=51
